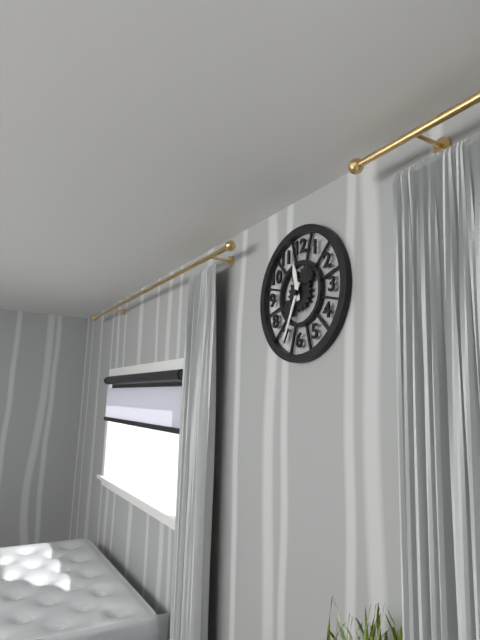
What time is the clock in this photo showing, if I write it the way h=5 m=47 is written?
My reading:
h=11 m=34
